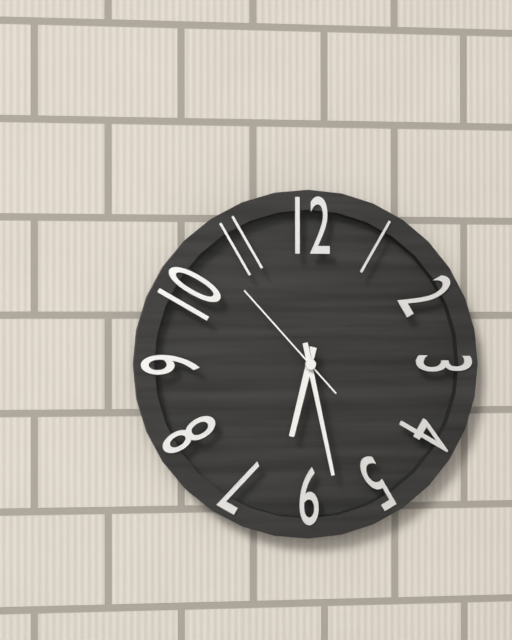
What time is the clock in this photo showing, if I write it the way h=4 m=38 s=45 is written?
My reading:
h=6 m=28 s=53
